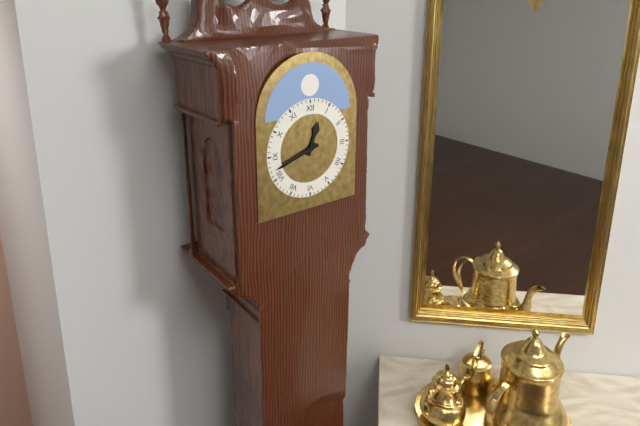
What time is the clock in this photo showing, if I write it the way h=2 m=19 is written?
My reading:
h=12 m=42
